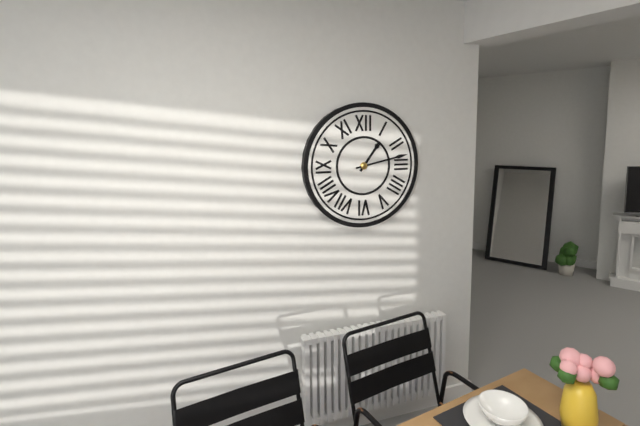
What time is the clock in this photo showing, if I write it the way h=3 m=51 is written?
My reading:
h=1 m=13
